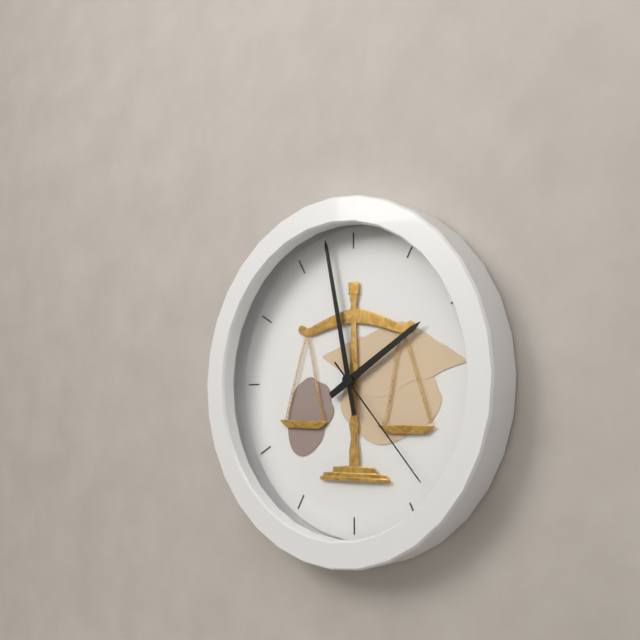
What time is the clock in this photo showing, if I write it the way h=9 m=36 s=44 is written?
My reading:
h=1 m=58 s=23
